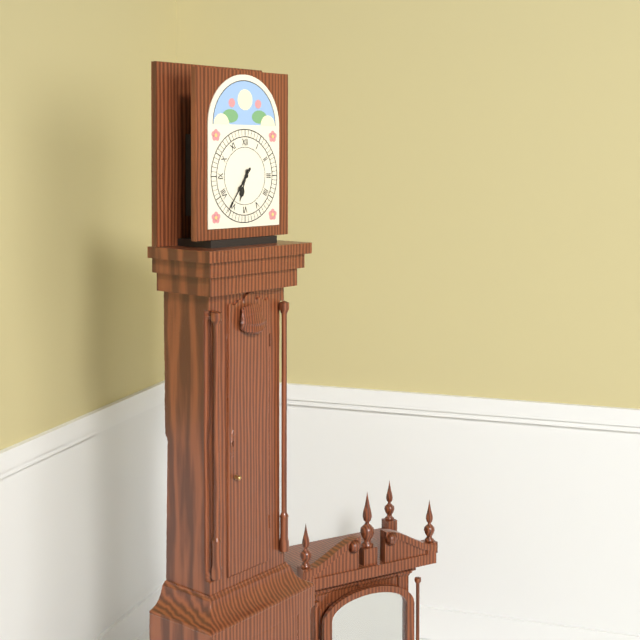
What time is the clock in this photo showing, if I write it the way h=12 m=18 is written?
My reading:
h=6 m=36
